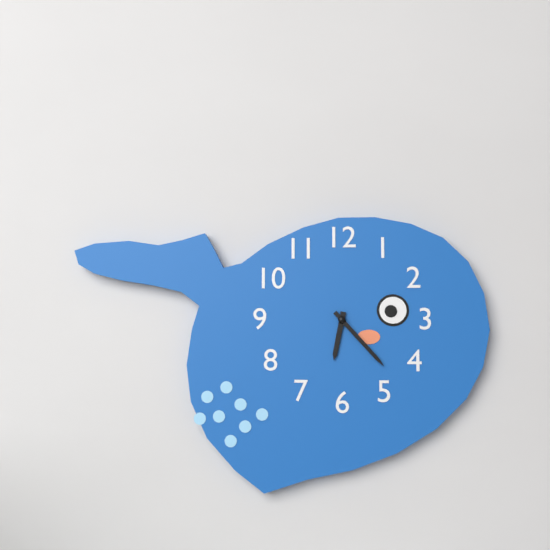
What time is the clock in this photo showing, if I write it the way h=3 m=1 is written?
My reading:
h=6 m=23
